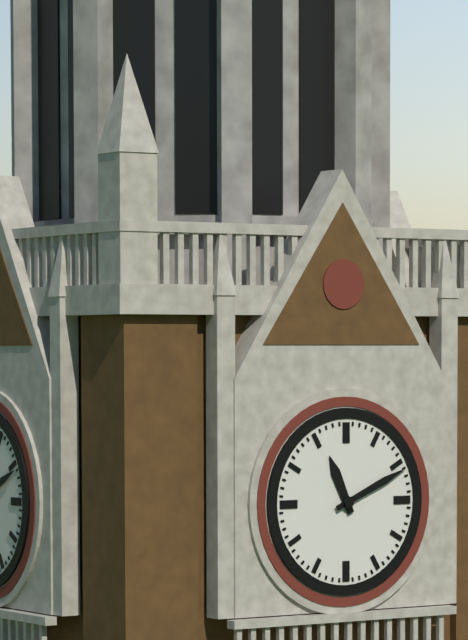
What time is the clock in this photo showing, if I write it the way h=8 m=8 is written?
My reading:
h=11 m=11
